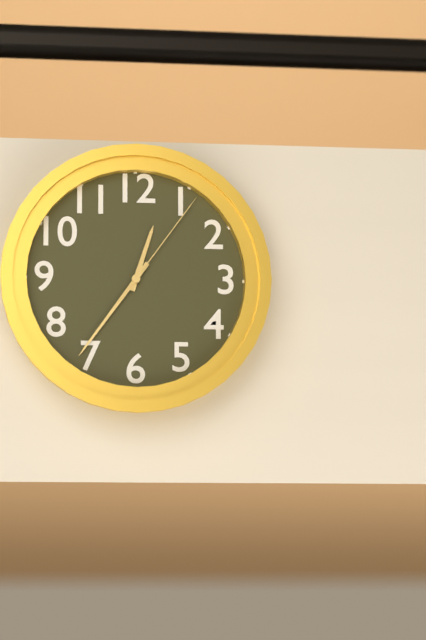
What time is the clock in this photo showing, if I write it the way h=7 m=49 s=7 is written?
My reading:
h=12 m=36 s=6
